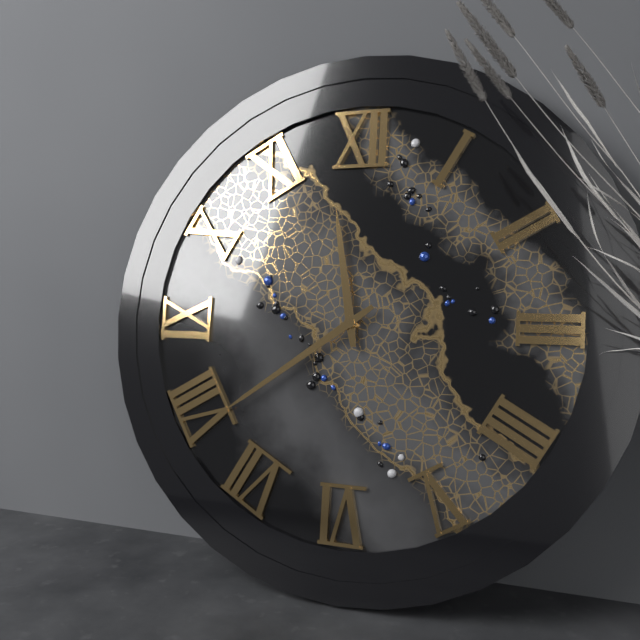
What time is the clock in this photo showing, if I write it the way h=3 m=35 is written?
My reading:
h=11 m=39
